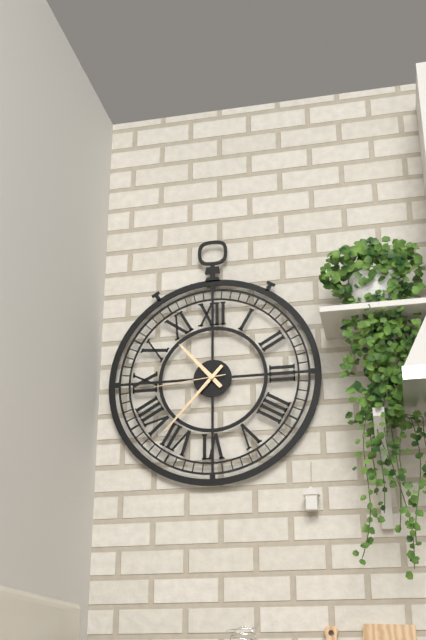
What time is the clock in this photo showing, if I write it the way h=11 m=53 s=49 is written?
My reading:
h=10 m=37 s=44
